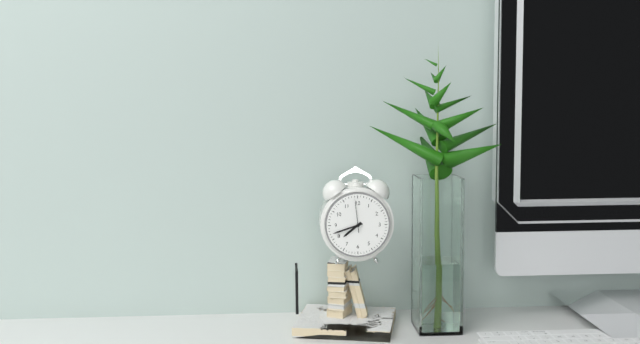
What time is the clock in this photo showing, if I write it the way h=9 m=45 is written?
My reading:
h=7 m=42
